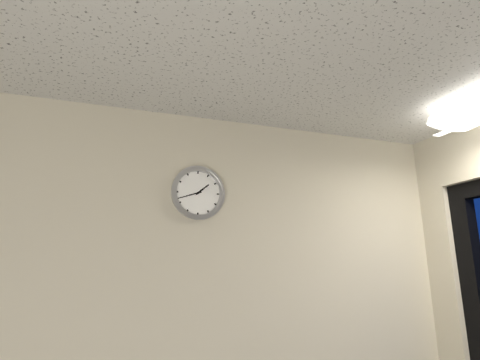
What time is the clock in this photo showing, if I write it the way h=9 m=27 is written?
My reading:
h=1 m=42
